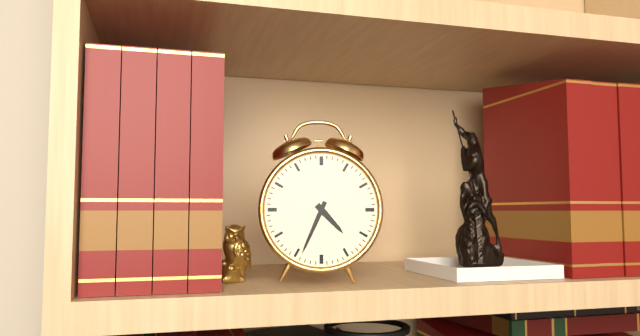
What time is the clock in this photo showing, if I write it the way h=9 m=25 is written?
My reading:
h=4 m=34
